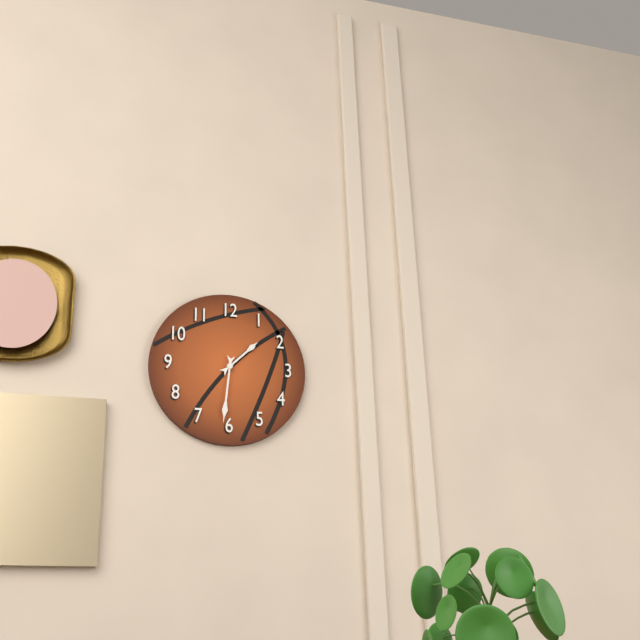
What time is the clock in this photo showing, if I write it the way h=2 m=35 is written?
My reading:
h=1 m=31
